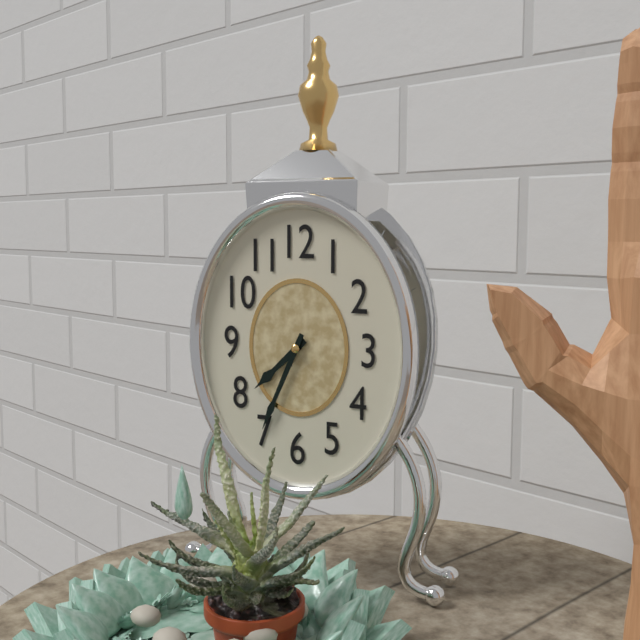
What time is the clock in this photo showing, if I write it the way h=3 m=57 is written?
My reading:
h=7 m=34
